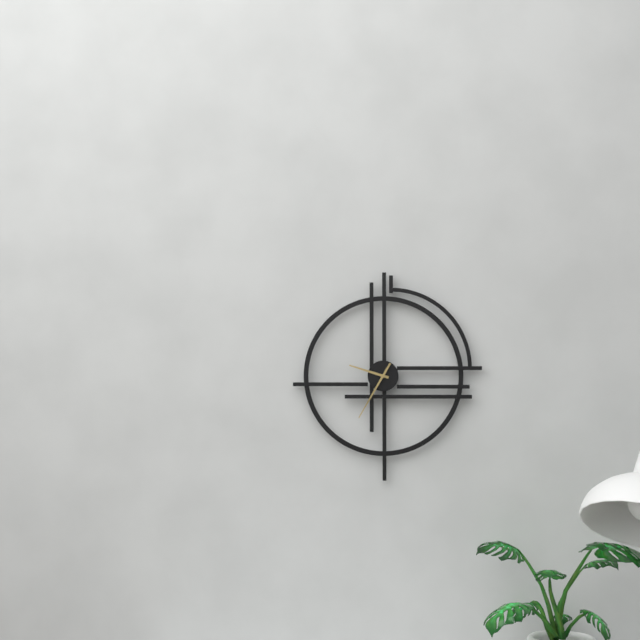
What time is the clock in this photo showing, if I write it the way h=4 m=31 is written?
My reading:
h=9 m=35
